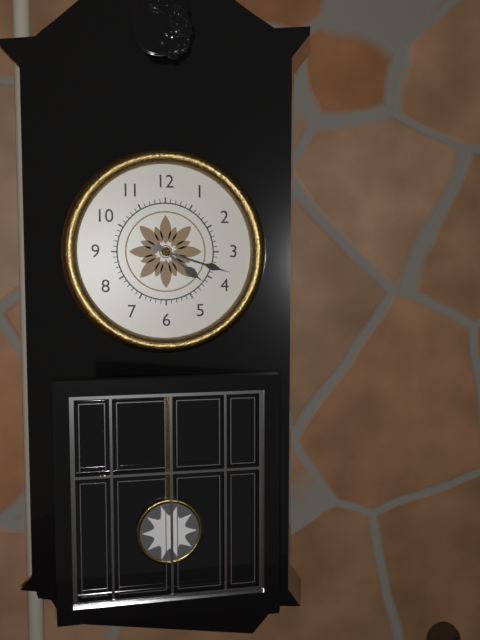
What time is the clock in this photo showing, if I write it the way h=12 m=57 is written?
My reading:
h=4 m=18
